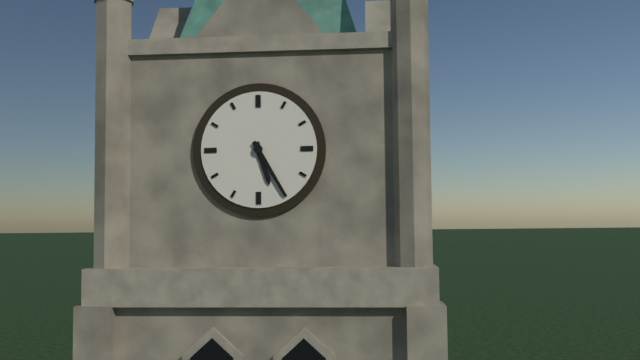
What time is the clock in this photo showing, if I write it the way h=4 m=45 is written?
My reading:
h=5 m=25
